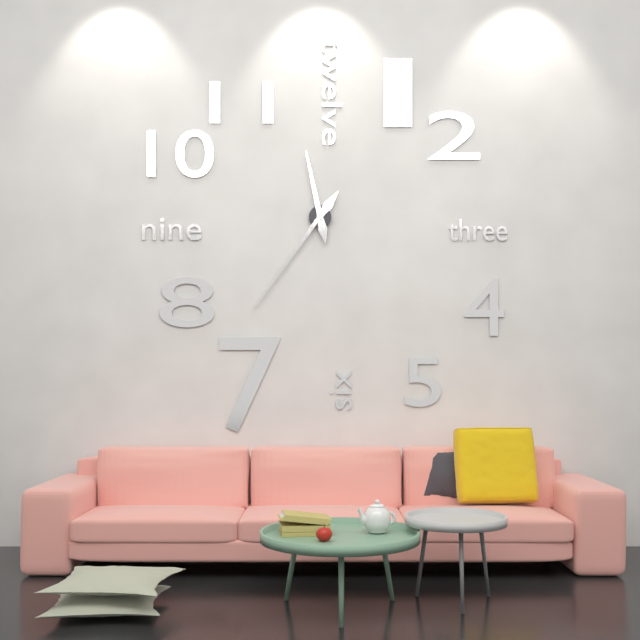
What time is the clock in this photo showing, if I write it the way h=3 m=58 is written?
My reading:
h=11 m=36
